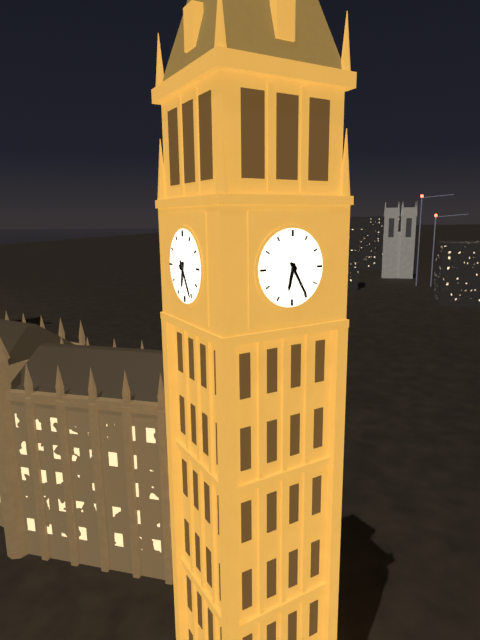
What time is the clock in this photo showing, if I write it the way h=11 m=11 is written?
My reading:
h=6 m=25
